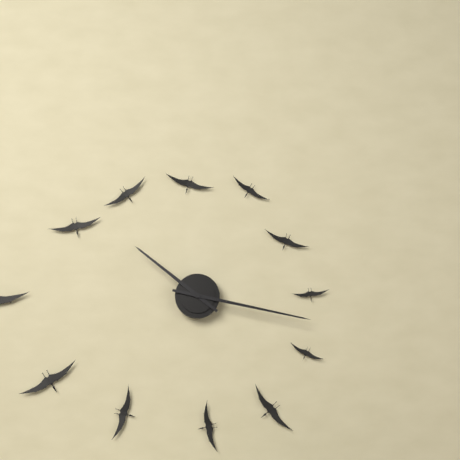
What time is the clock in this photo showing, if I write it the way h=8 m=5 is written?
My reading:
h=10 m=17
